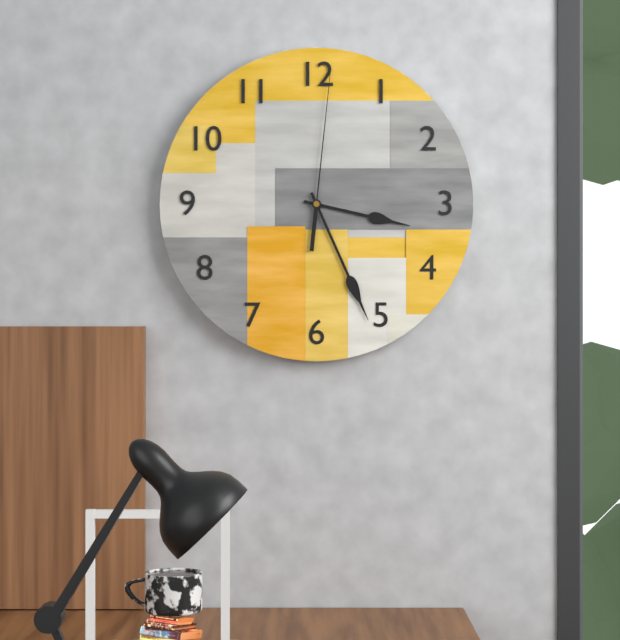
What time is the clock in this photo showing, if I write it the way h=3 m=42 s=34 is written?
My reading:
h=3 m=26 s=1
